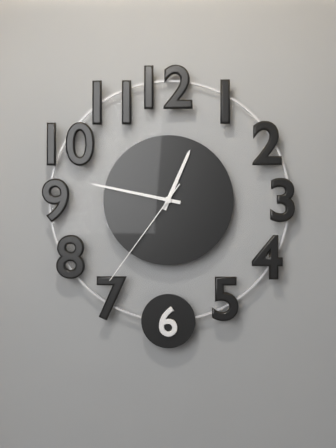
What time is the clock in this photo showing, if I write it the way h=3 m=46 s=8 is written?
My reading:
h=12 m=47 s=36
